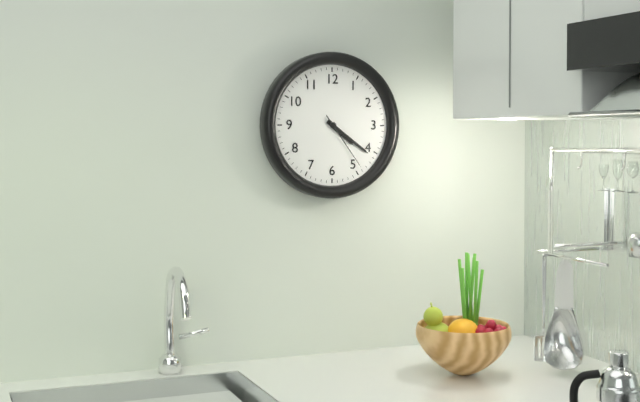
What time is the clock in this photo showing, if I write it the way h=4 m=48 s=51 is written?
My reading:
h=4 m=21 s=24
